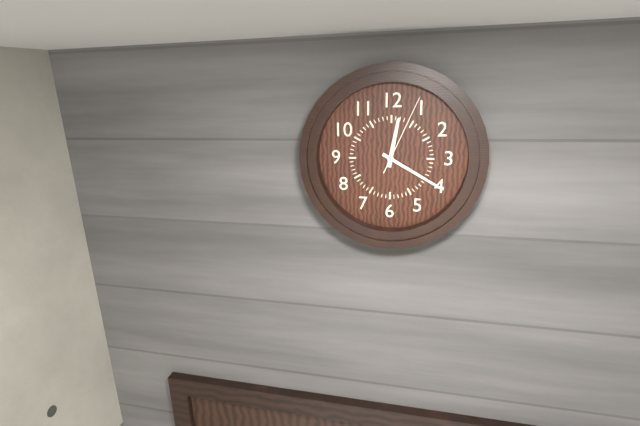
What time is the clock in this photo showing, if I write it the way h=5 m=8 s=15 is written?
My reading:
h=12 m=20 s=4
